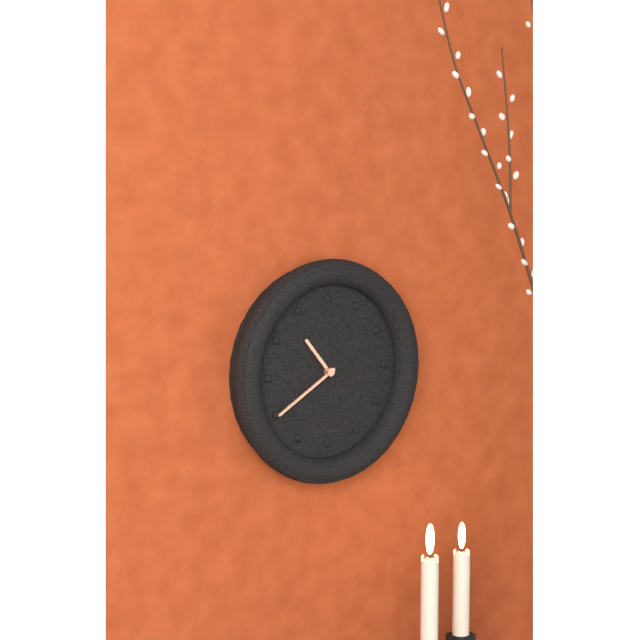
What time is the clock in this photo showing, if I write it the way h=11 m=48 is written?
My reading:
h=10 m=40
